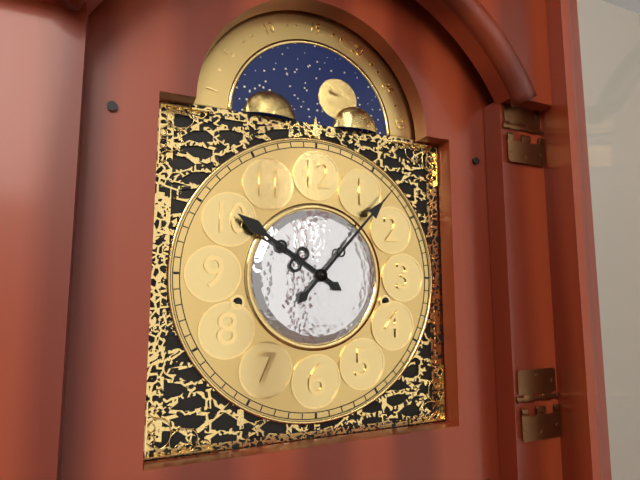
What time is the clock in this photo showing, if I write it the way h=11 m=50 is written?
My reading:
h=10 m=7
